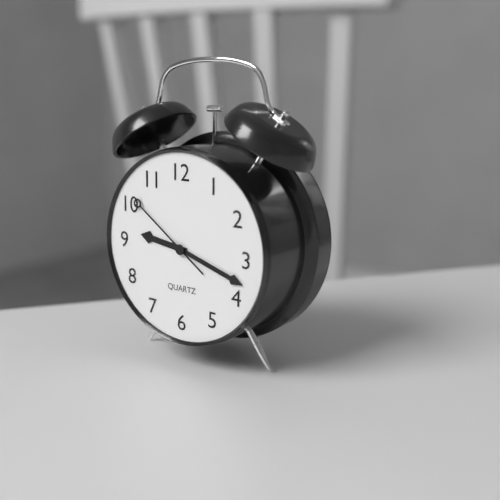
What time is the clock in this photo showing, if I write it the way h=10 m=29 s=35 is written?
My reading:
h=9 m=18 s=51
